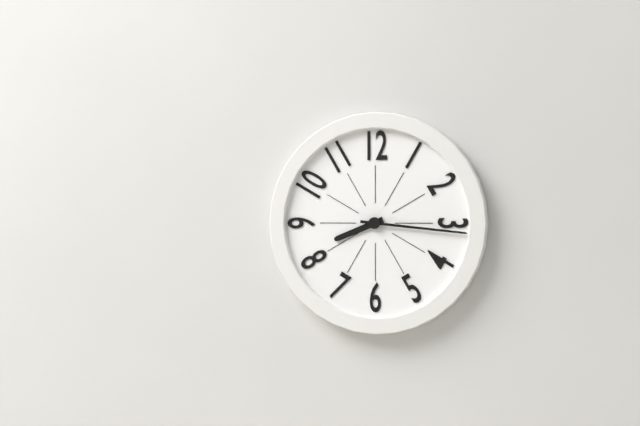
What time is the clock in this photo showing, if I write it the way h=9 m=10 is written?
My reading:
h=8 m=16
